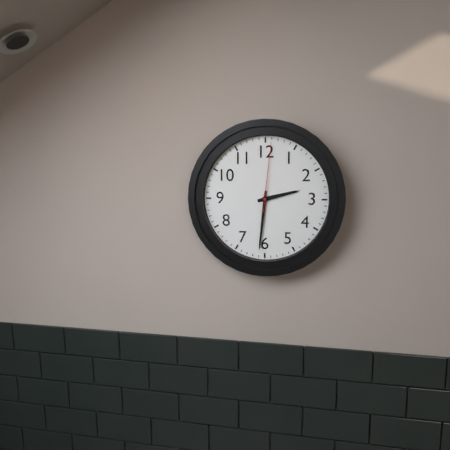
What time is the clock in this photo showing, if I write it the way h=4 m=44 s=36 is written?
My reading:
h=2 m=31 s=1
